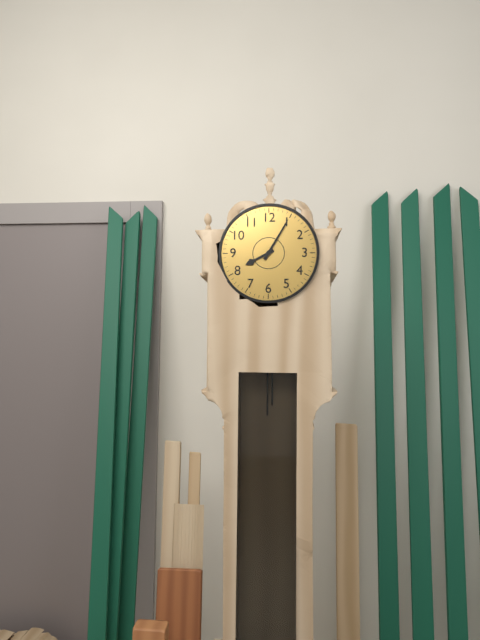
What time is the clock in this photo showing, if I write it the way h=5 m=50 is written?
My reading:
h=8 m=5
